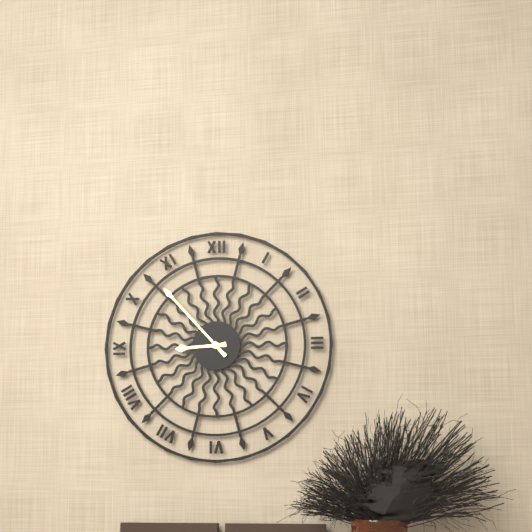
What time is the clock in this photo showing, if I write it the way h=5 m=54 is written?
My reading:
h=8 m=53
